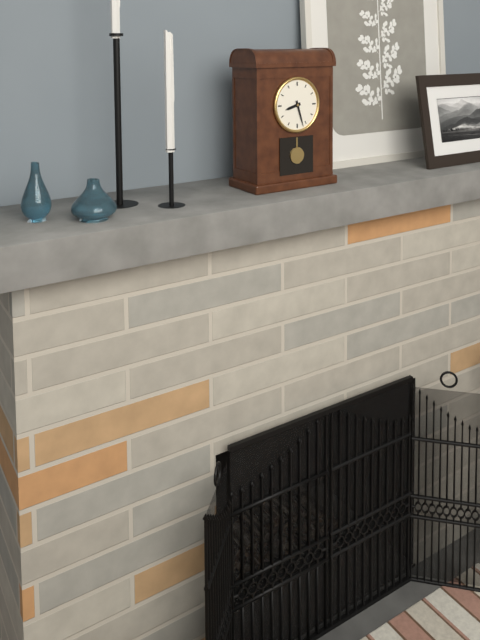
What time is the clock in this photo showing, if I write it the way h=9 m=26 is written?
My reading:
h=8 m=27
